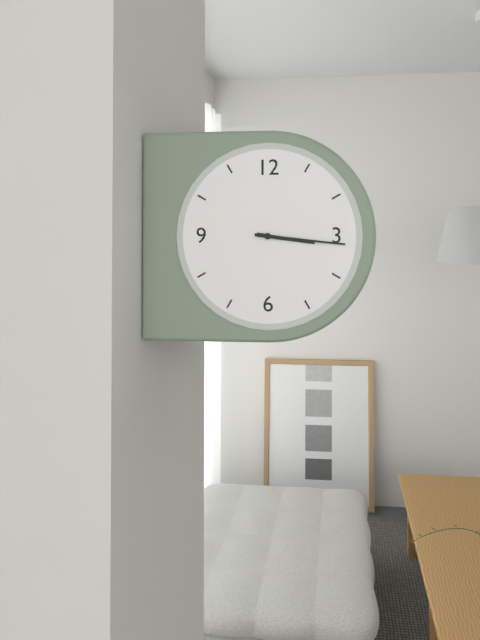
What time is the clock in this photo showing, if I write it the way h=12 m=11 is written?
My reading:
h=3 m=16
